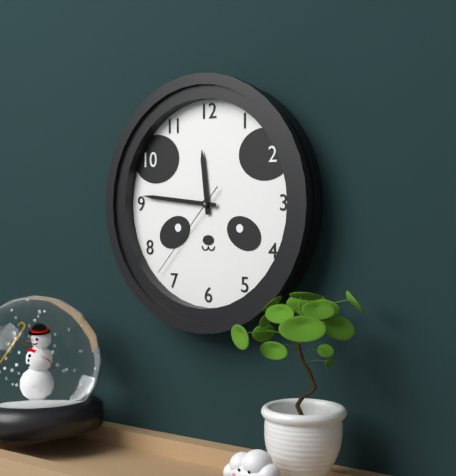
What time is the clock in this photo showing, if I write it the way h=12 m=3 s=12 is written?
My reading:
h=11 m=46 s=37
